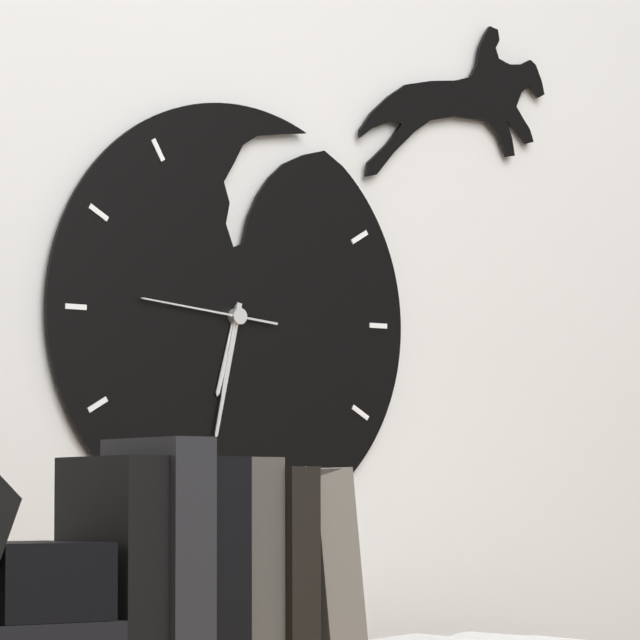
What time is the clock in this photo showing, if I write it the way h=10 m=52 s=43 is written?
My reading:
h=6 m=32 s=46
